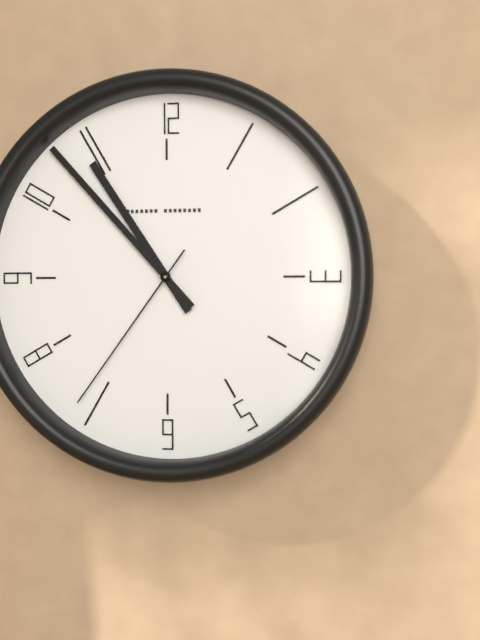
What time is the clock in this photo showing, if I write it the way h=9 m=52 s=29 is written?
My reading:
h=10 m=53 s=36
